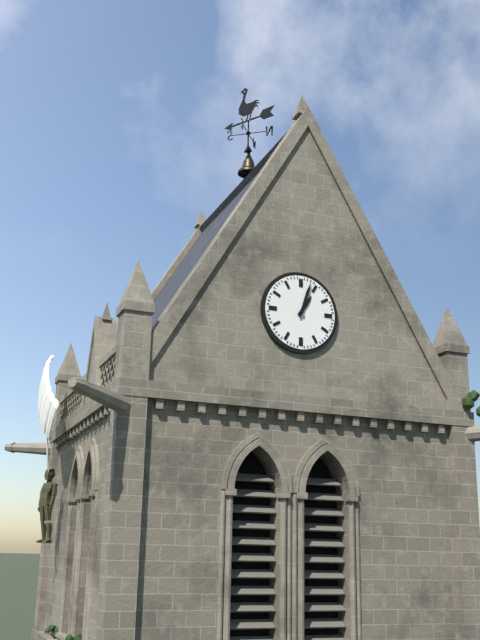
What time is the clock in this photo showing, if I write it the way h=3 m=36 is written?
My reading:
h=1 m=3
